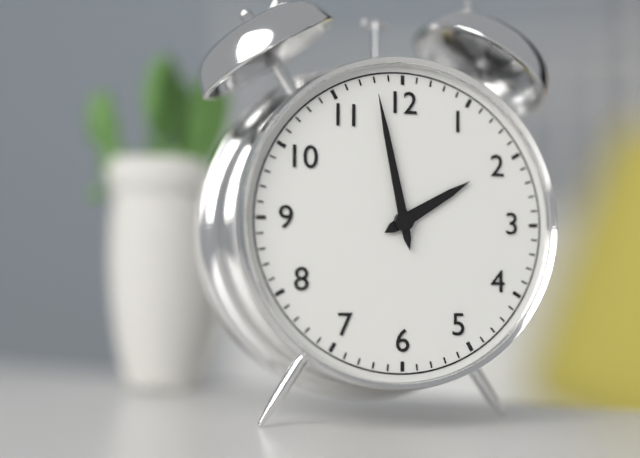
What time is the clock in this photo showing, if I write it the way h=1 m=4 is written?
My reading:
h=1 m=58
